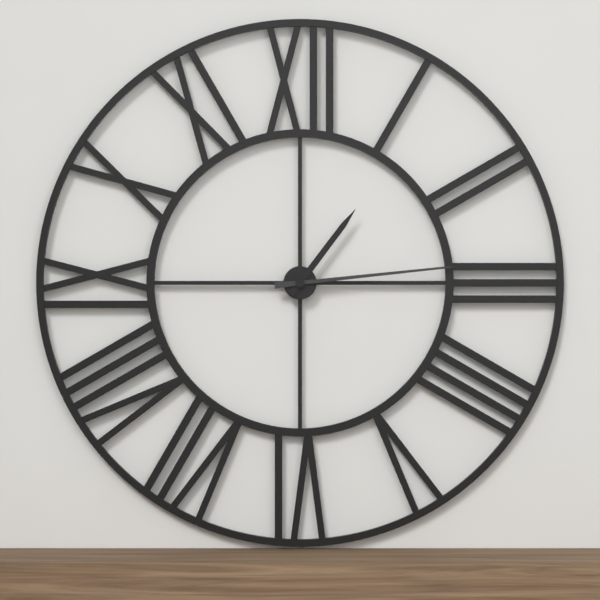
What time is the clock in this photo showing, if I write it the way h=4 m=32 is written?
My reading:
h=1 m=14
